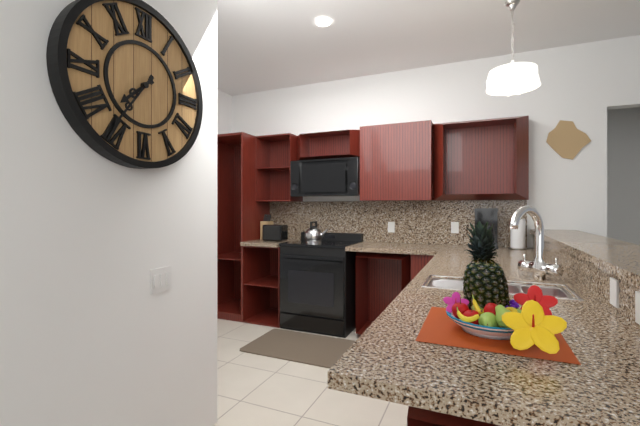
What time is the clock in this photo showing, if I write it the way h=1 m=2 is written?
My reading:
h=7 m=36
